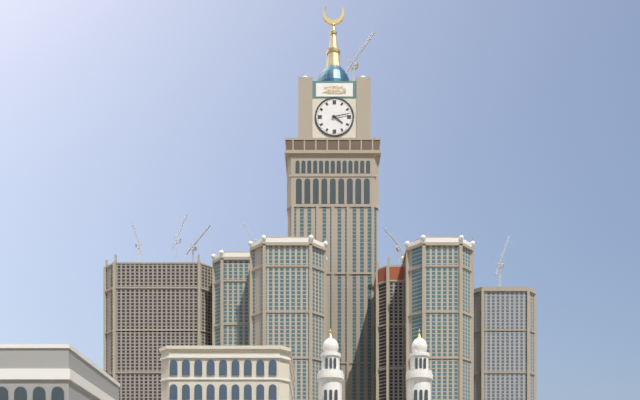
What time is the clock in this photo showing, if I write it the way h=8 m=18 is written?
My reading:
h=4 m=13
